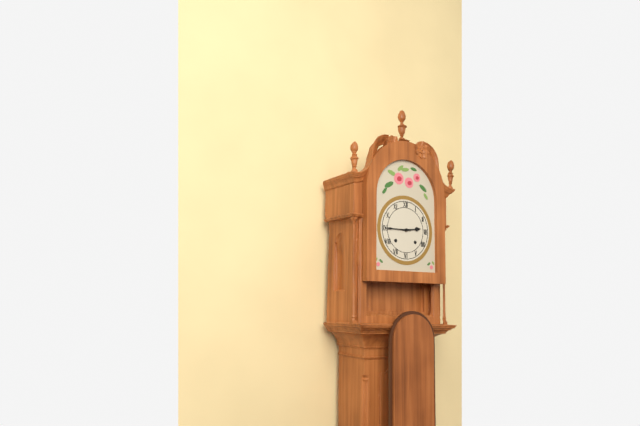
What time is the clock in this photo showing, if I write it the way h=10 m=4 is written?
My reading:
h=2 m=45
